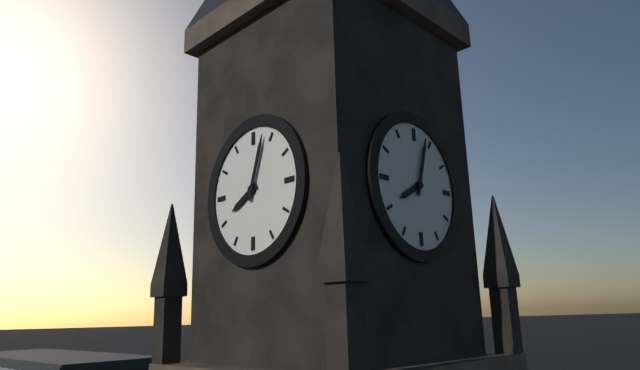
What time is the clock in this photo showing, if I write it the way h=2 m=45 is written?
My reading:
h=8 m=3
